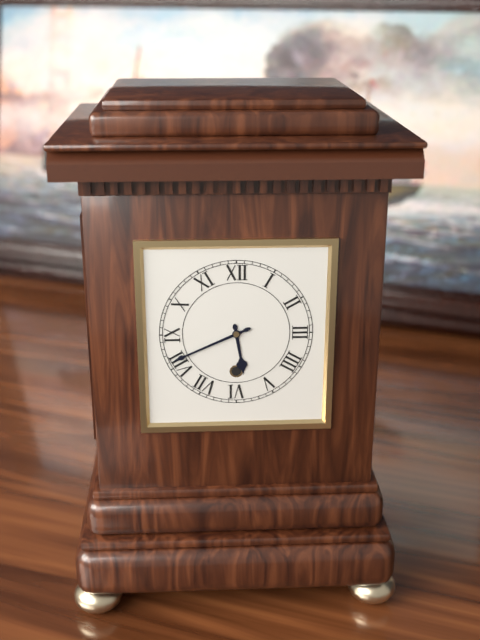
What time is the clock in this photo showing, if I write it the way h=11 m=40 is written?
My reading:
h=5 m=41
